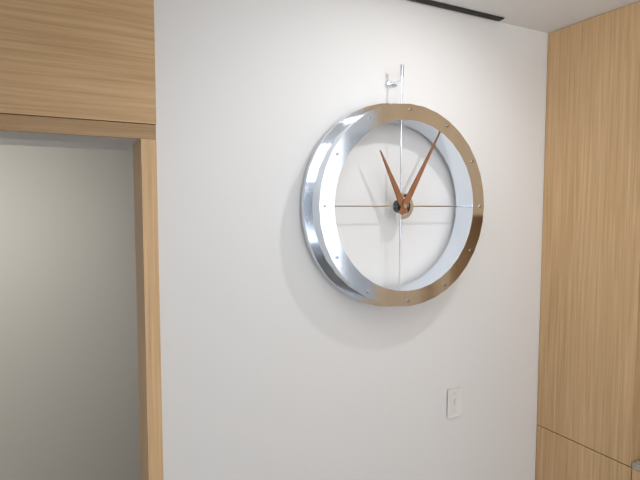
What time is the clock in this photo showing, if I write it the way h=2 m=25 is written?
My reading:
h=11 m=5
